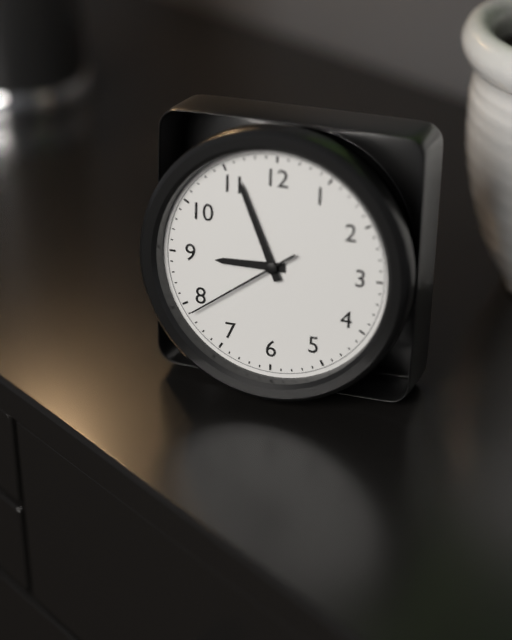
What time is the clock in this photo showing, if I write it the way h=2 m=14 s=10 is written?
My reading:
h=8 m=56 s=39
